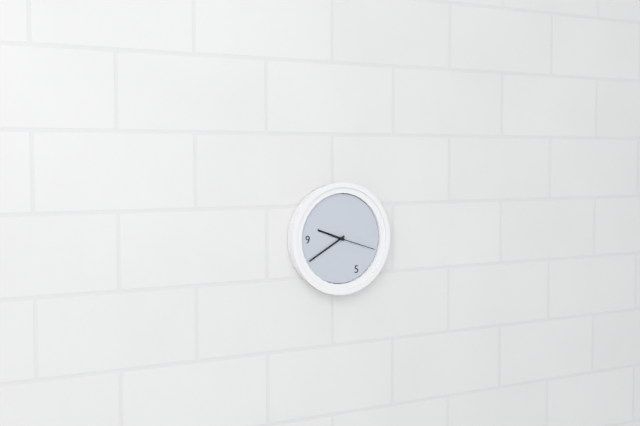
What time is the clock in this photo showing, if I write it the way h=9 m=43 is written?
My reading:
h=9 m=40
